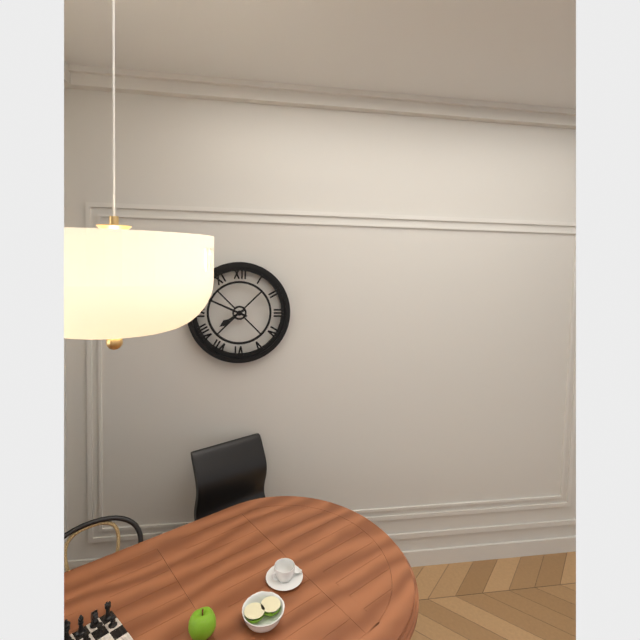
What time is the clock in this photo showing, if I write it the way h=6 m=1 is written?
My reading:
h=7 m=49
